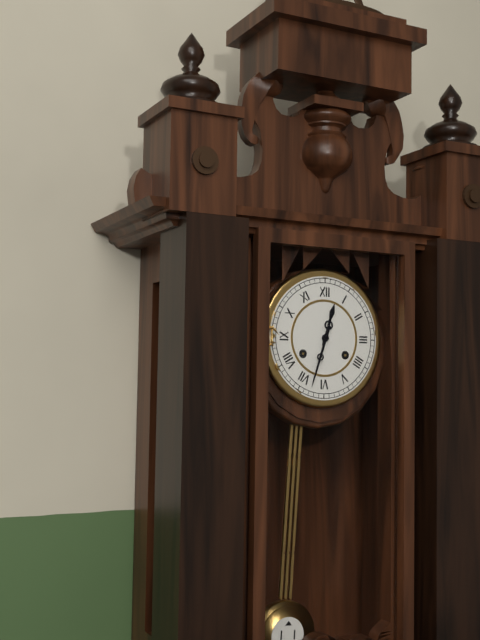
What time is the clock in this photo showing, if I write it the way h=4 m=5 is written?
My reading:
h=12 m=33
